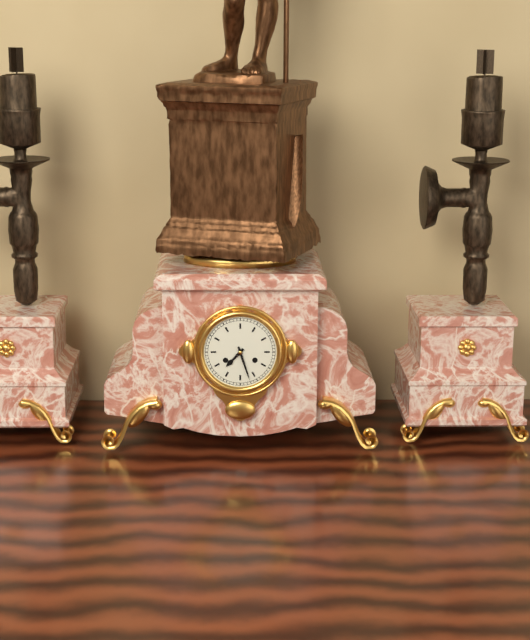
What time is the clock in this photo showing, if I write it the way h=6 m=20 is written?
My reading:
h=7 m=27
